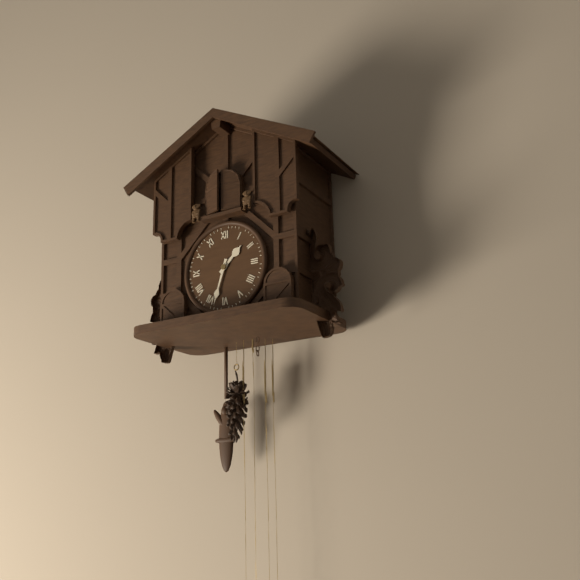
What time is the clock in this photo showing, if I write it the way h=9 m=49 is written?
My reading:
h=1 m=33
